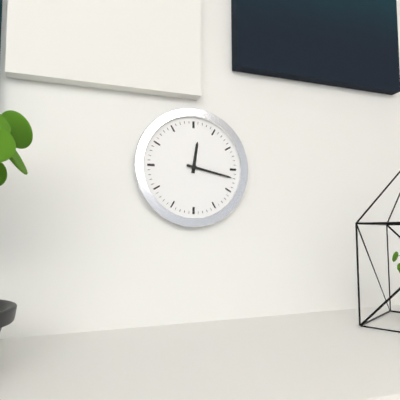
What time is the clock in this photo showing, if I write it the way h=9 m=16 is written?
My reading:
h=12 m=17
